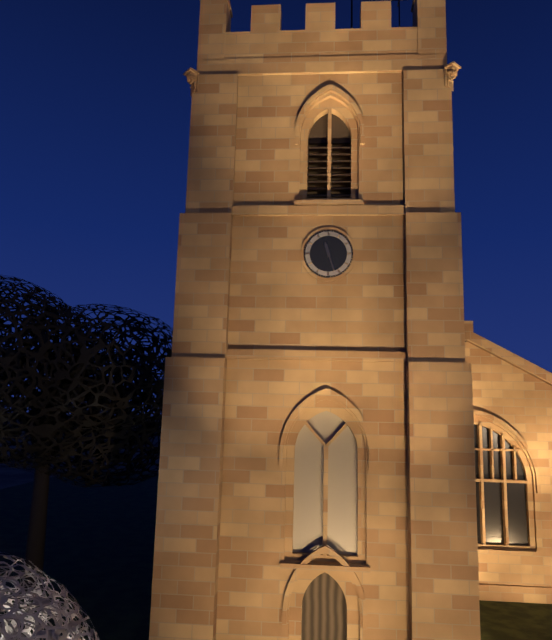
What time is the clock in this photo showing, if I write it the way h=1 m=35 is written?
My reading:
h=11 m=27
